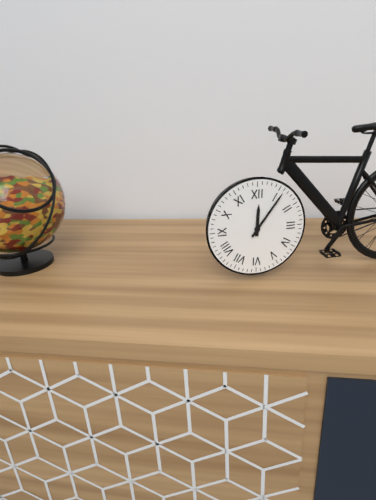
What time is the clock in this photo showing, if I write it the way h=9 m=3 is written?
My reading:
h=12 m=6
